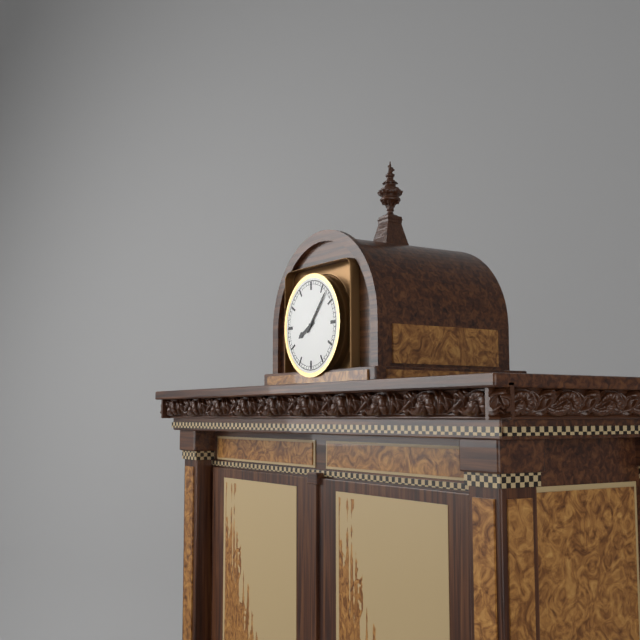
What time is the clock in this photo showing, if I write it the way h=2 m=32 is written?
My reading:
h=8 m=7
